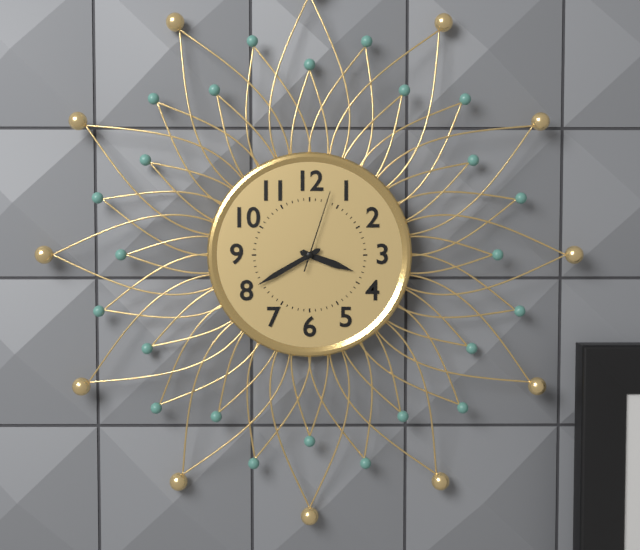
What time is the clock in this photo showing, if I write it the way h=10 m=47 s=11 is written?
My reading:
h=3 m=40 s=3
